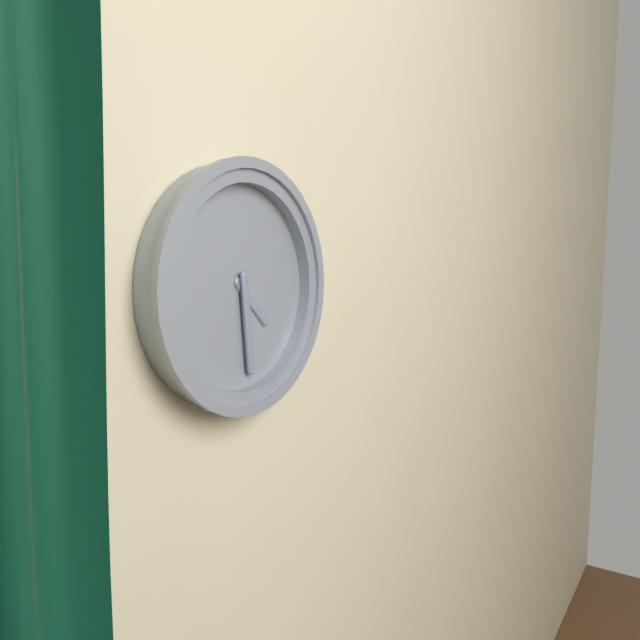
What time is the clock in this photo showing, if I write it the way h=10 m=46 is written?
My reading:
h=4 m=29
